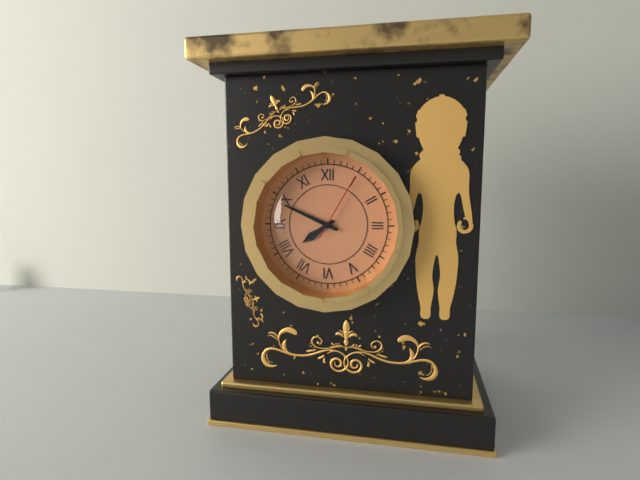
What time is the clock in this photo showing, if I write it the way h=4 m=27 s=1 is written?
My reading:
h=7 m=49 s=5
